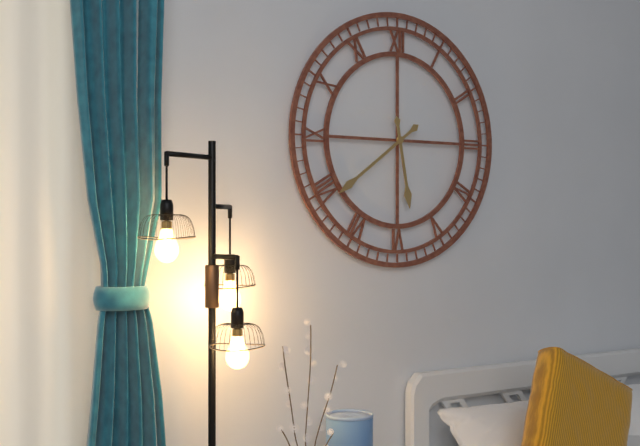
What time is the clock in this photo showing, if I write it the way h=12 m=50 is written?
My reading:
h=5 m=39
